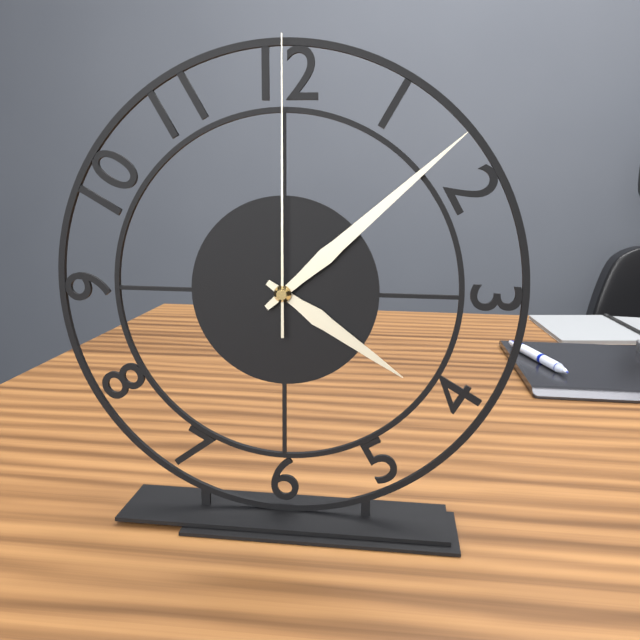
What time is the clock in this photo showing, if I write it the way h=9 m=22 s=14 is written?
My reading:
h=4 m=8 s=0
